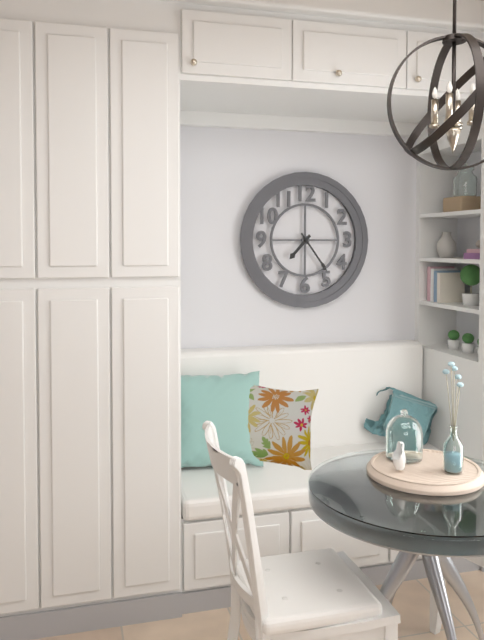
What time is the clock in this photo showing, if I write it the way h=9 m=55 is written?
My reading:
h=7 m=24
